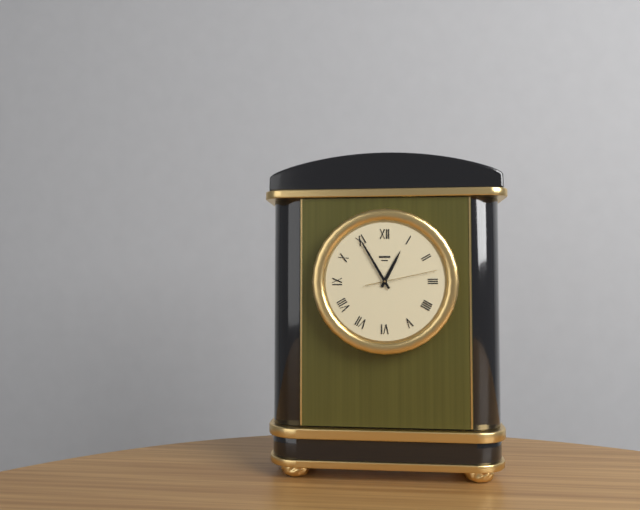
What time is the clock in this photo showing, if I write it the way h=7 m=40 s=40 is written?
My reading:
h=12 m=55 s=13
